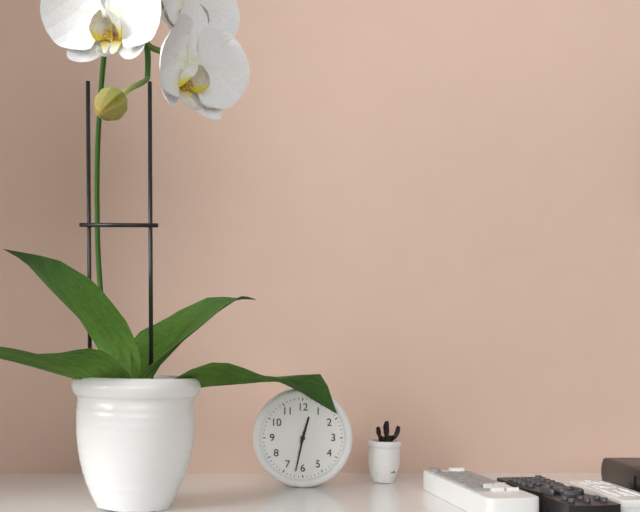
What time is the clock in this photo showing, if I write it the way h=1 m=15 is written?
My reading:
h=12 m=32
